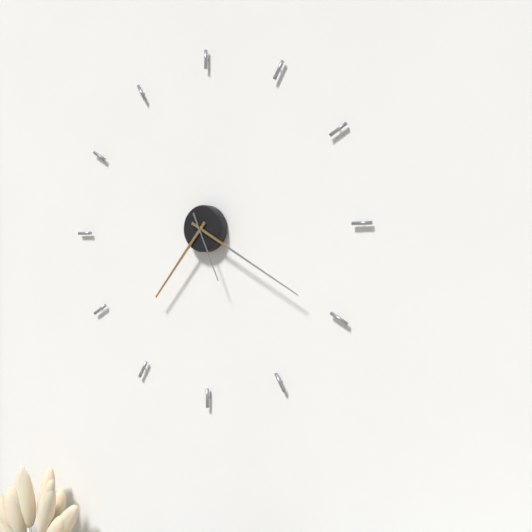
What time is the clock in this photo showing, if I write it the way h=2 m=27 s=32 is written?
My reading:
h=7 m=20 s=26
